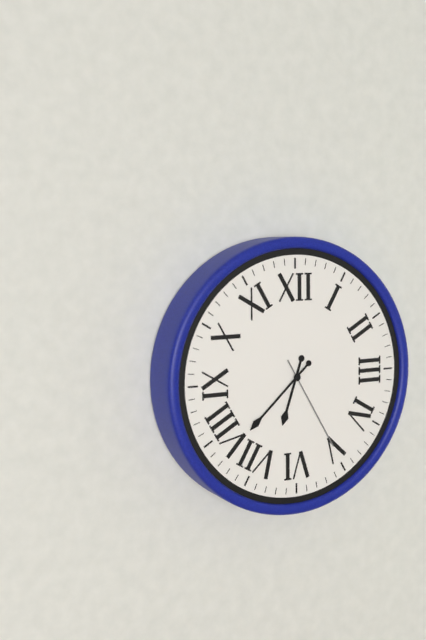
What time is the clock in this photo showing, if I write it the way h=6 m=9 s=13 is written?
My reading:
h=6 m=38 s=25
